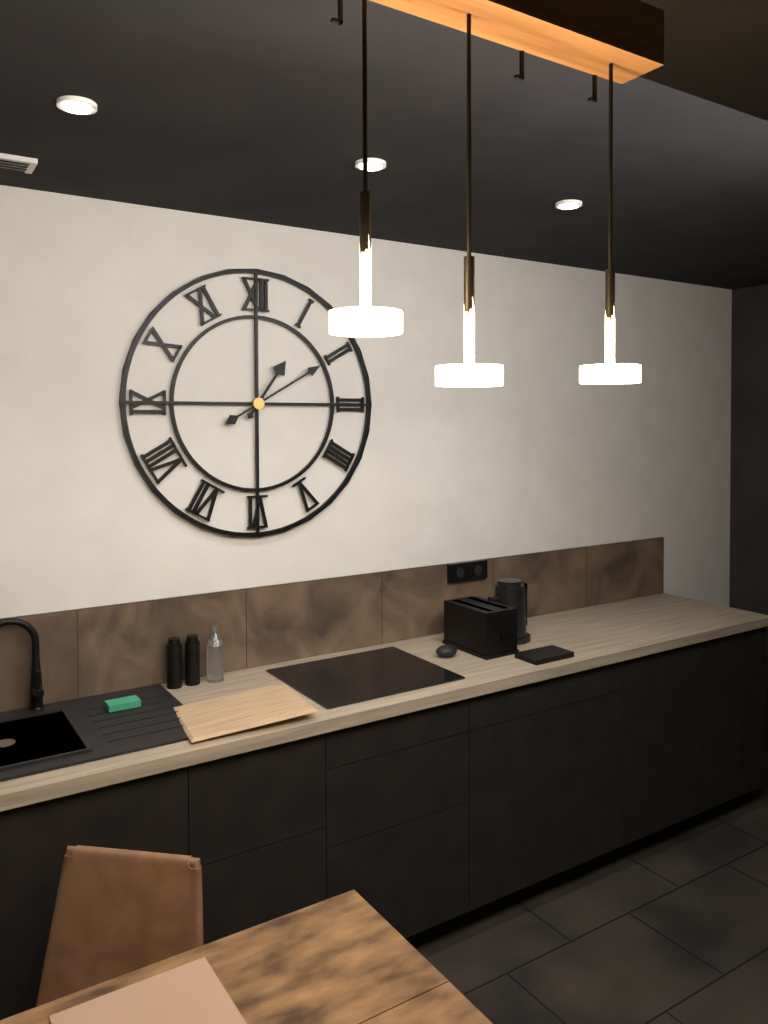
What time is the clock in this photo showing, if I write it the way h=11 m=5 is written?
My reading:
h=1 m=10
